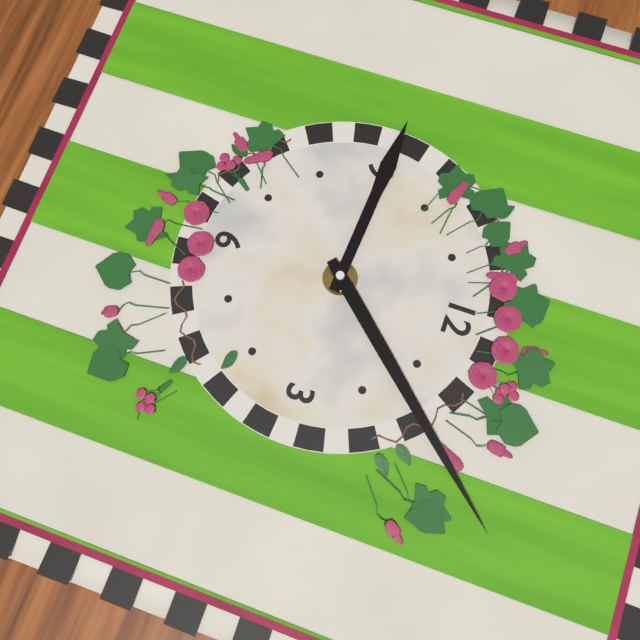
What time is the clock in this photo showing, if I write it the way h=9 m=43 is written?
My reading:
h=9 m=7
